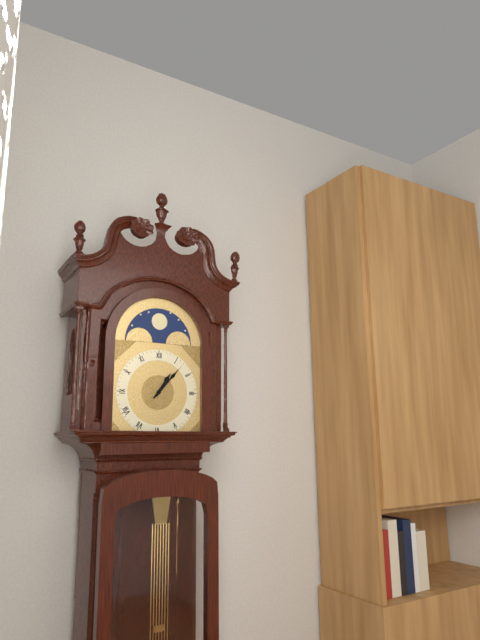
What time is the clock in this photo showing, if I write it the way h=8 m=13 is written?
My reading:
h=1 m=7
